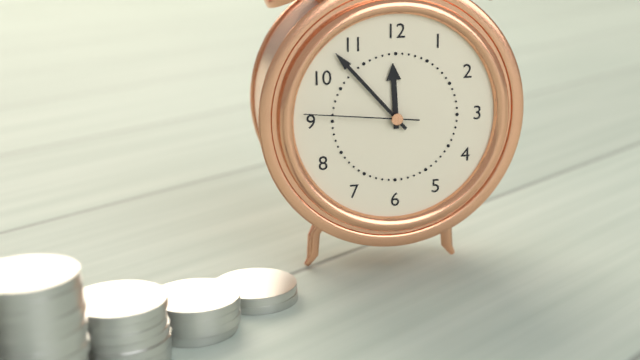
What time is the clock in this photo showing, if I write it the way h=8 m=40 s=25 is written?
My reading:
h=11 m=53 s=46
